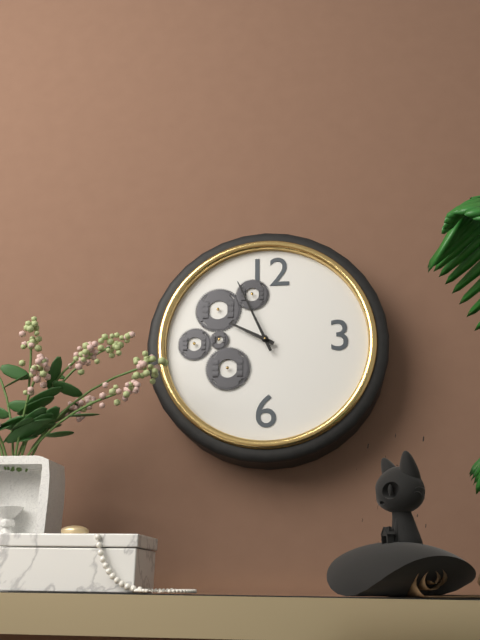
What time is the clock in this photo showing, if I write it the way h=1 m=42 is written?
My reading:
h=9 m=56
